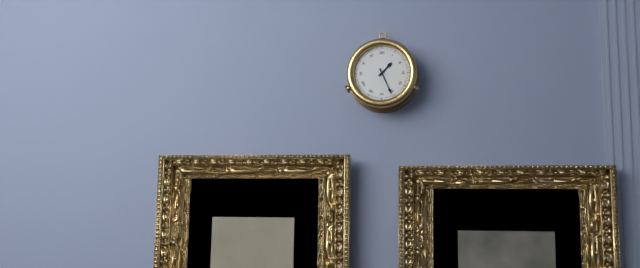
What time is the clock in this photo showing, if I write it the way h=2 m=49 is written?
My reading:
h=1 m=26
